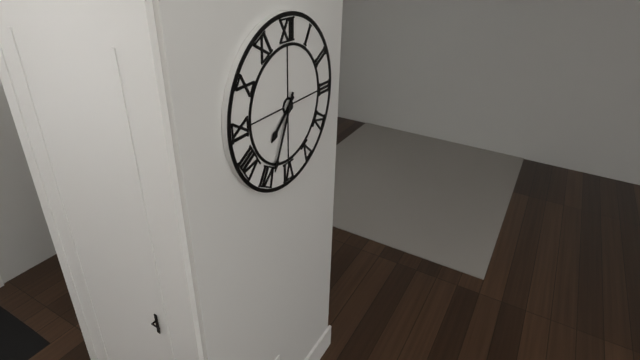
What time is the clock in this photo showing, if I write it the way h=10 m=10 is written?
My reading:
h=7 m=34
